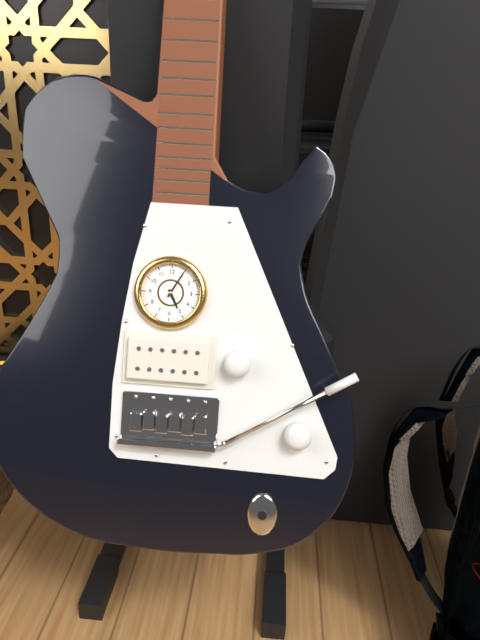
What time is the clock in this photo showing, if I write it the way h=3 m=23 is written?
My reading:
h=5 m=5
